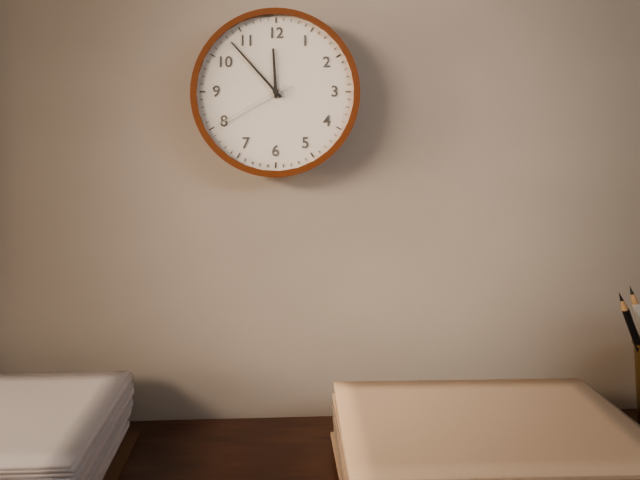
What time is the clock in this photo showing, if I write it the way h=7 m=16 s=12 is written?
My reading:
h=11 m=53 s=40
